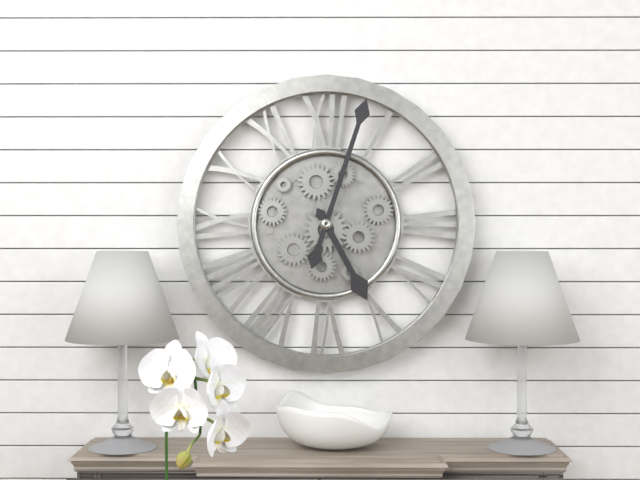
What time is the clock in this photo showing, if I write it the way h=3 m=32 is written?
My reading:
h=5 m=3
